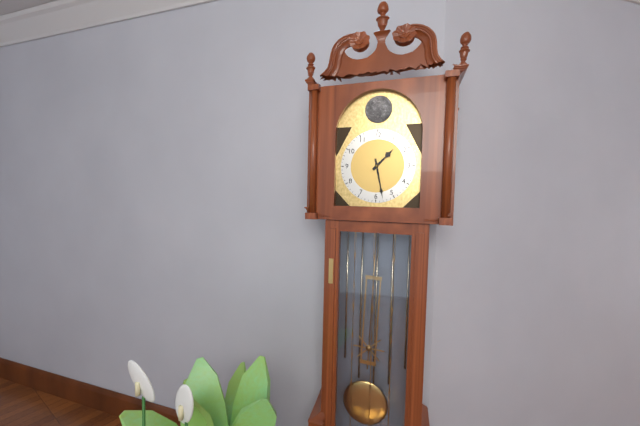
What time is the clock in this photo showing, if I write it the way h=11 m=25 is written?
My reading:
h=1 m=28
